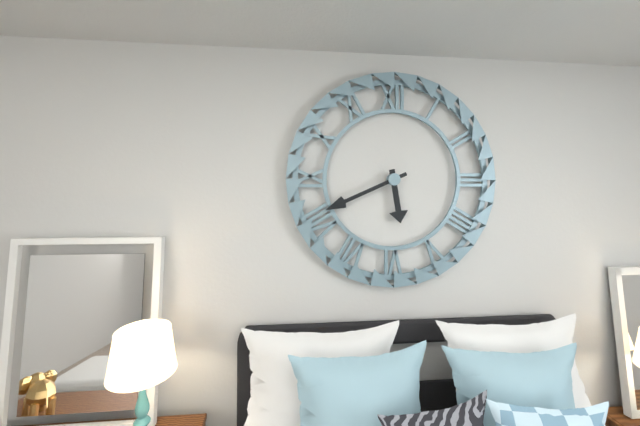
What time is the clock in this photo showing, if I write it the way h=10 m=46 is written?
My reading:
h=5 m=41
